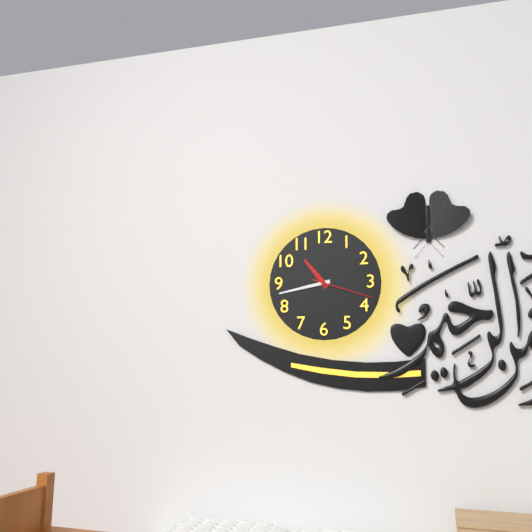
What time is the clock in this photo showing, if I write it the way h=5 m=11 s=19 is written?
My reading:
h=10 m=43 s=18
